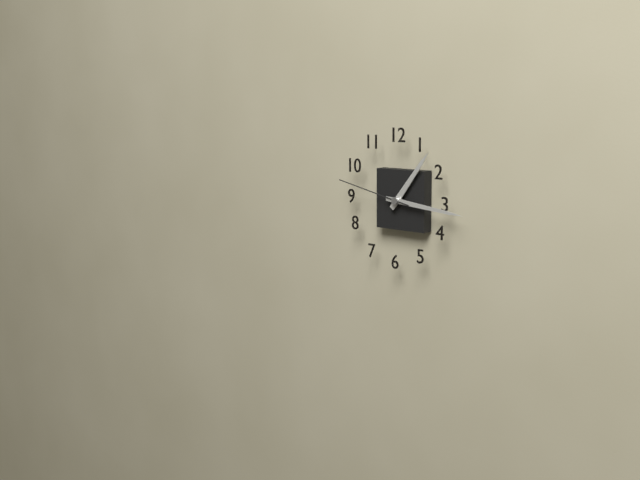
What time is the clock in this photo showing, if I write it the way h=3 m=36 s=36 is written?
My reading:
h=1 m=16 s=47
